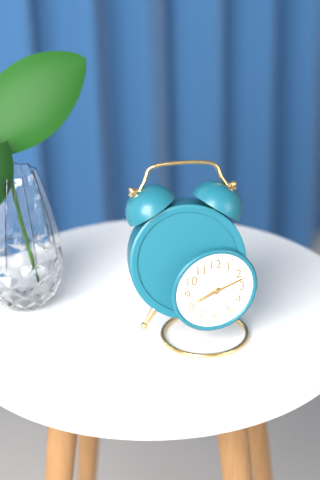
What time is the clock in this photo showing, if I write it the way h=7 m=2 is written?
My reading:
h=8 m=12
